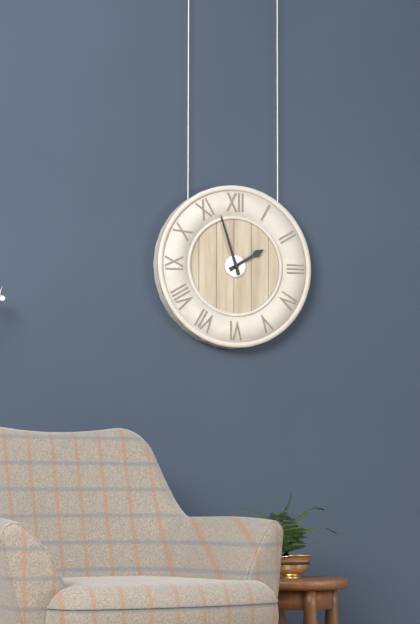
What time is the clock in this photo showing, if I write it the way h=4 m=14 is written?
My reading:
h=1 m=57
